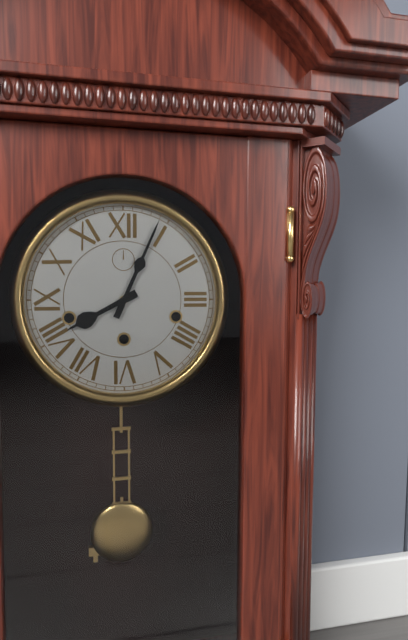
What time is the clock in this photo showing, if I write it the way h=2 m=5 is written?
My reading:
h=8 m=4
